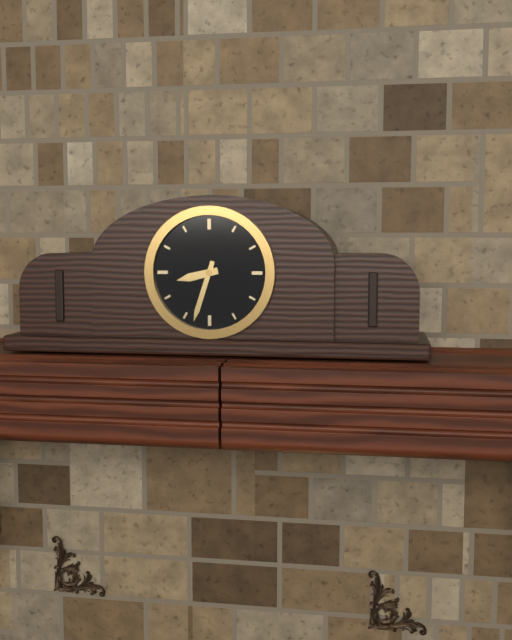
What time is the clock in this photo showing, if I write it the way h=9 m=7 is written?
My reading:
h=8 m=33
